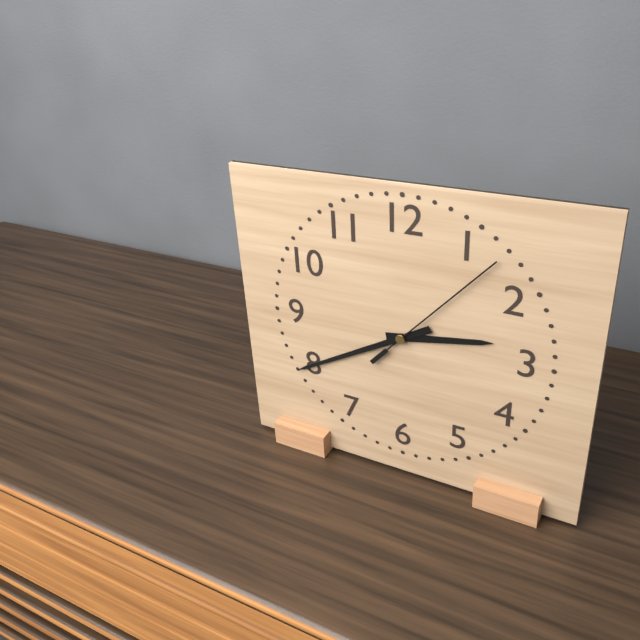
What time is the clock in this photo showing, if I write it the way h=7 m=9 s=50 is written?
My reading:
h=2 m=40 s=7
